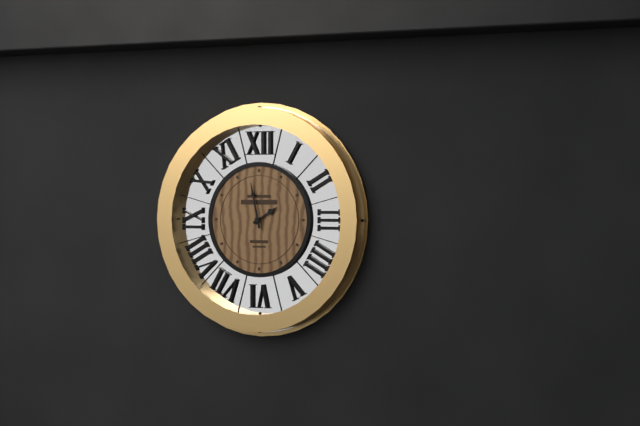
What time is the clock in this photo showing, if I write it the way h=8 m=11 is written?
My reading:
h=1 m=58
